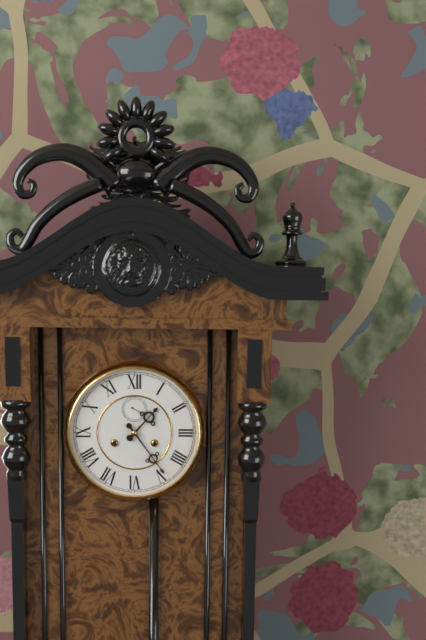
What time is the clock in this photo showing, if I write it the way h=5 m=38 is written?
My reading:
h=1 m=24
